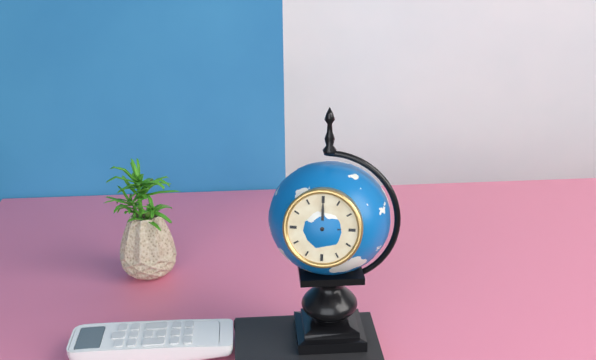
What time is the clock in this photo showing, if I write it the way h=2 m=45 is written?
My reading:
h=3 m=0
